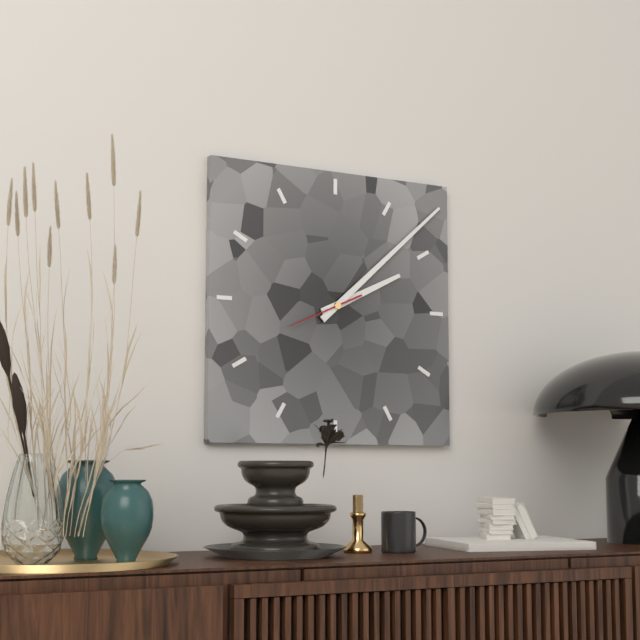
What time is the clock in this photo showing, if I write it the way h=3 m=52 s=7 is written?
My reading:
h=2 m=8 s=41
